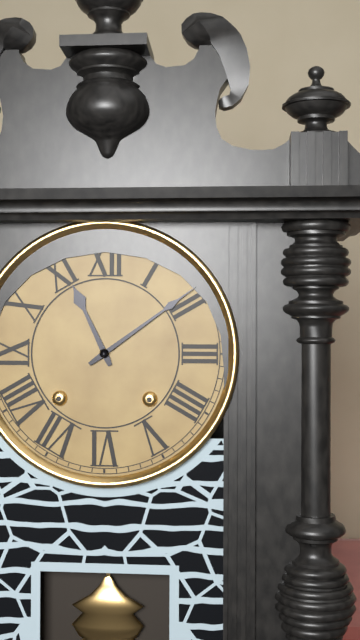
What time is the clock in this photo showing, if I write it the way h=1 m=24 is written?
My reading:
h=11 m=9
